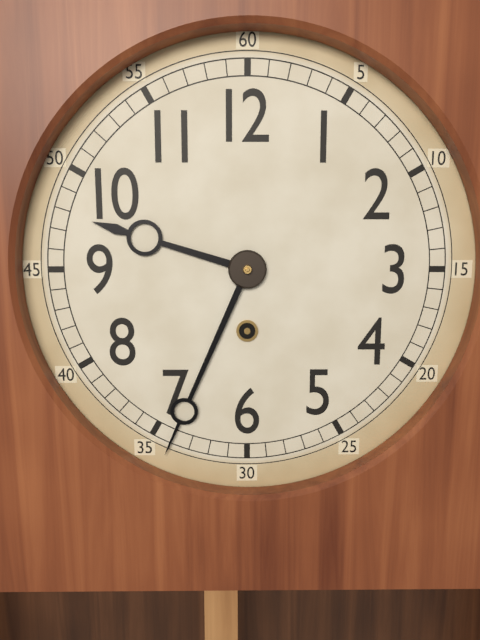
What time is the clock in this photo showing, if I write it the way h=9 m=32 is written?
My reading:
h=9 m=34
